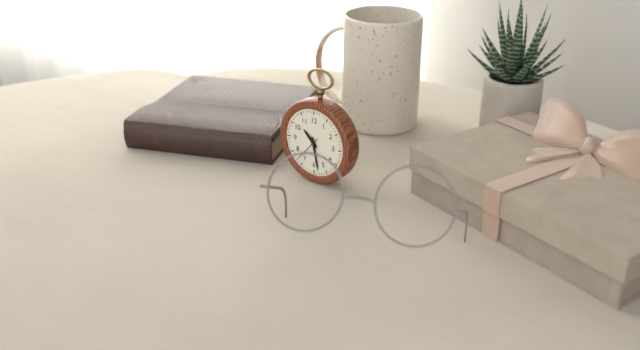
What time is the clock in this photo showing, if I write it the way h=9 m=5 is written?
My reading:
h=10 m=28
